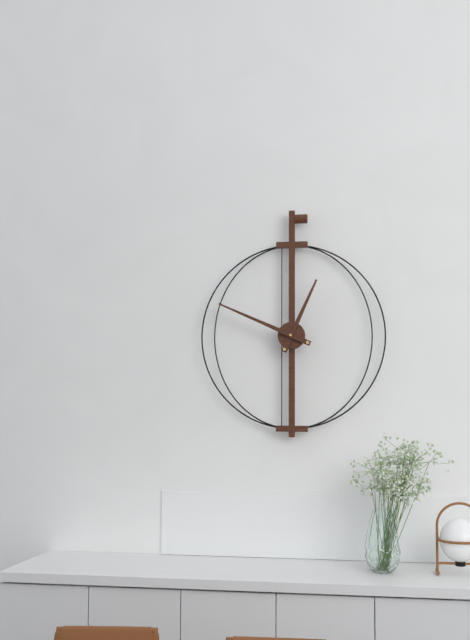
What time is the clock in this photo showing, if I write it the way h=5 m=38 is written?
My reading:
h=12 m=49
